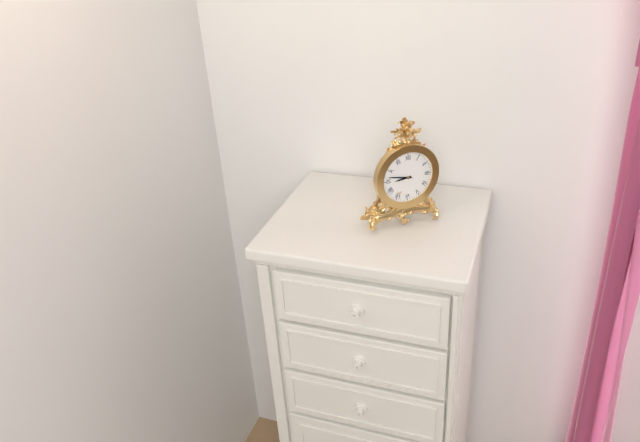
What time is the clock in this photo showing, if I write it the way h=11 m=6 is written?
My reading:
h=8 m=47
